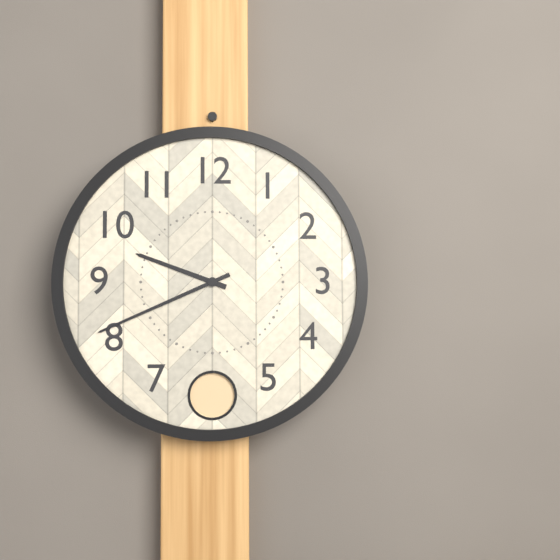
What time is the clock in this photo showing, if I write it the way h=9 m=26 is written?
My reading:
h=9 m=41
